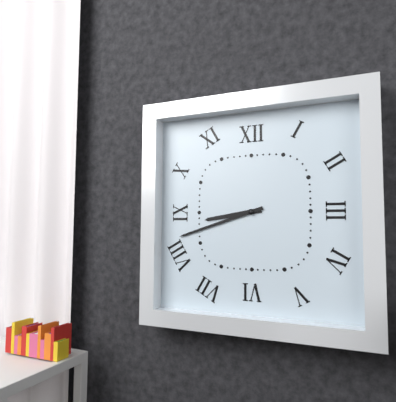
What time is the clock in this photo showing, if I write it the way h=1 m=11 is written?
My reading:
h=8 m=42
